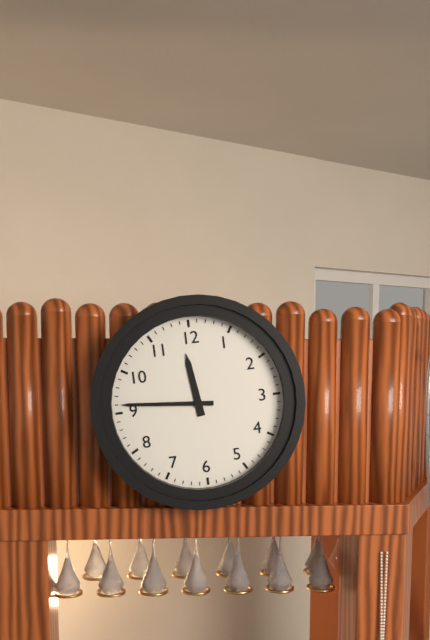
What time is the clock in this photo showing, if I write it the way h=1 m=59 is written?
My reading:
h=11 m=46
